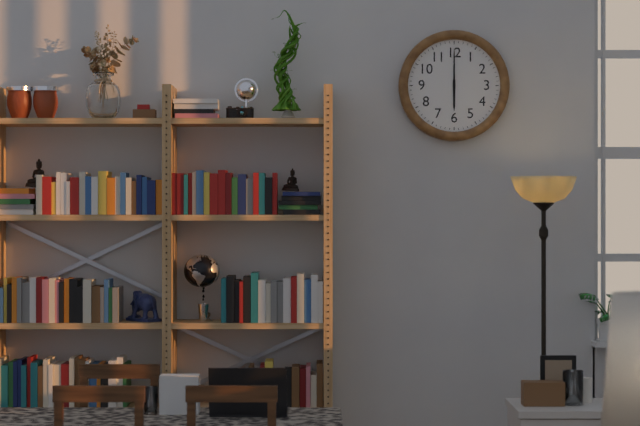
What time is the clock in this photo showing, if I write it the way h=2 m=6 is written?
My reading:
h=6 m=0
